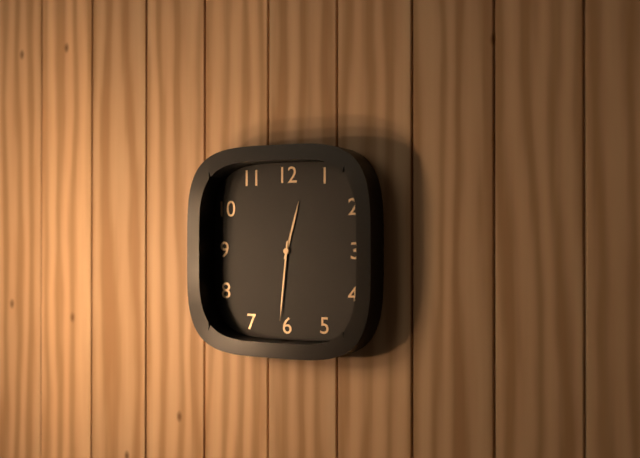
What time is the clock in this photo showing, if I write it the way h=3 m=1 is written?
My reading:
h=12 m=31
